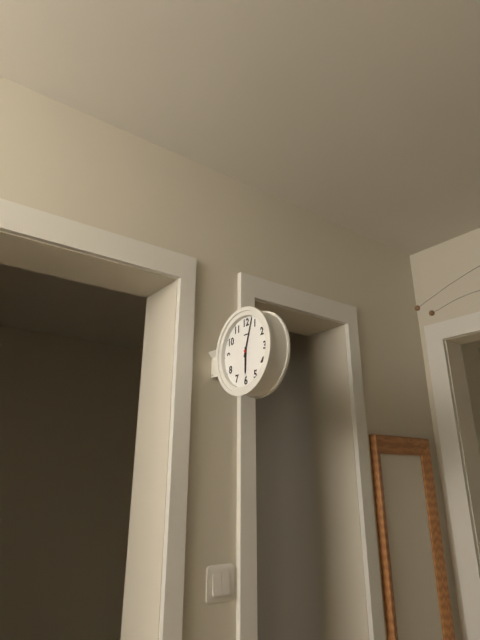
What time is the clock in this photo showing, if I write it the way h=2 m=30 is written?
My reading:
h=6 m=3
